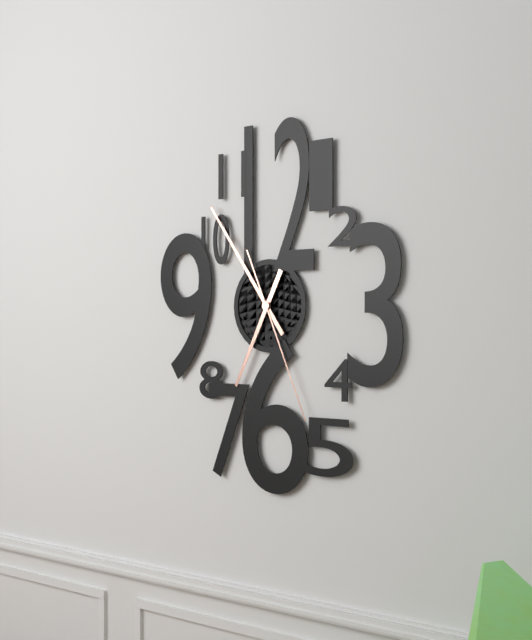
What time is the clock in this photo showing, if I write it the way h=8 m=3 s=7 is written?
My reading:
h=6 m=54 s=26
